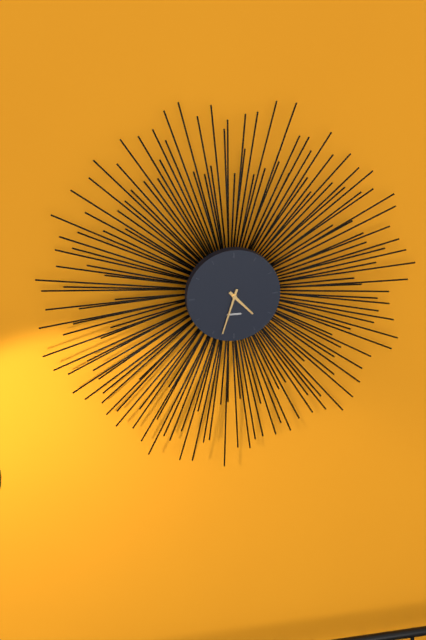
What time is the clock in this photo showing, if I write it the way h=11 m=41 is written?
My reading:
h=4 m=33
